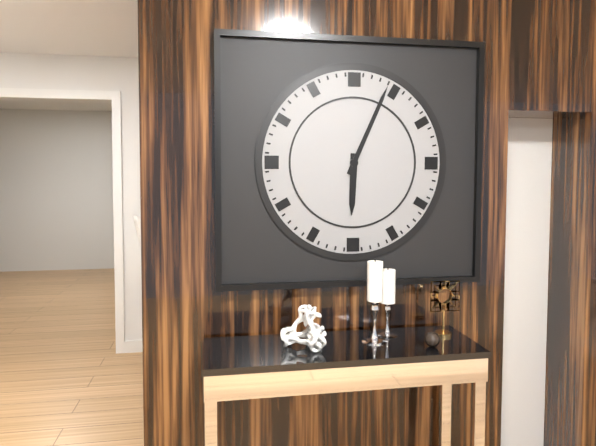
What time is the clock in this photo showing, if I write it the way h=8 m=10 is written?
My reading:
h=6 m=4
